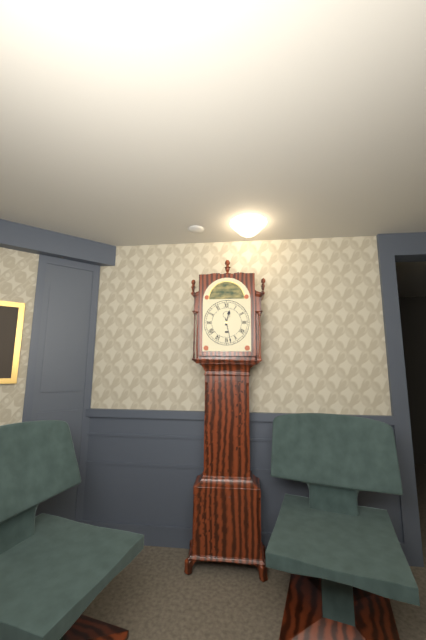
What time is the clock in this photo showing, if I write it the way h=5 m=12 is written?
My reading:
h=12 m=28
